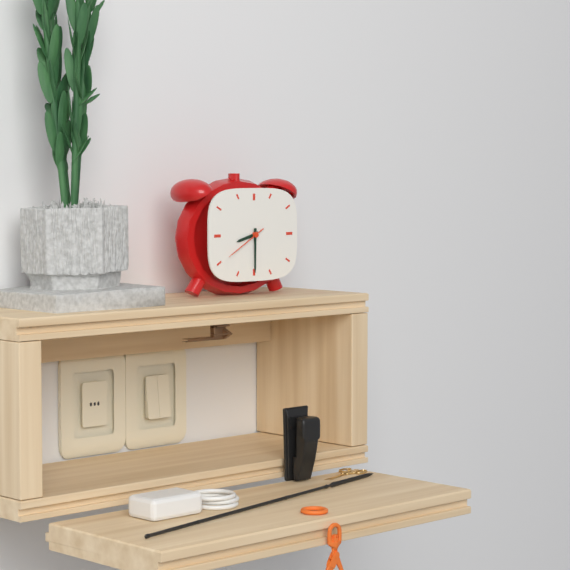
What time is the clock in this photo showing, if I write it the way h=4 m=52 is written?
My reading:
h=8 m=30
